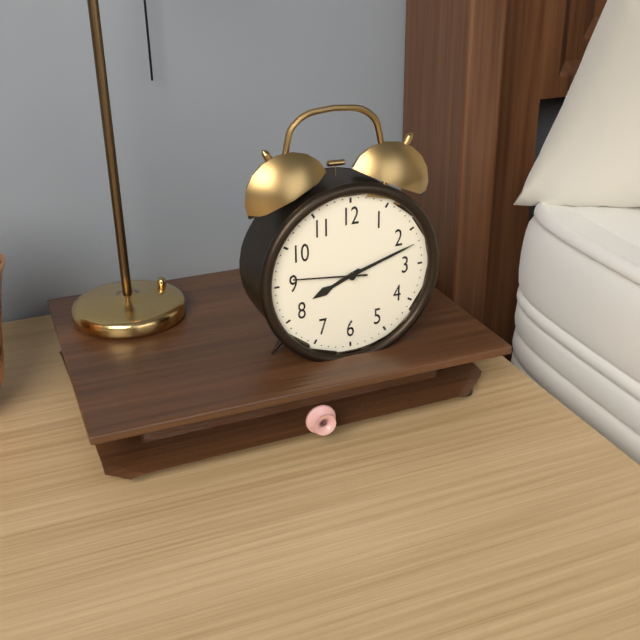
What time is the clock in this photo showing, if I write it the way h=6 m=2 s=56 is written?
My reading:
h=8 m=12 s=46
